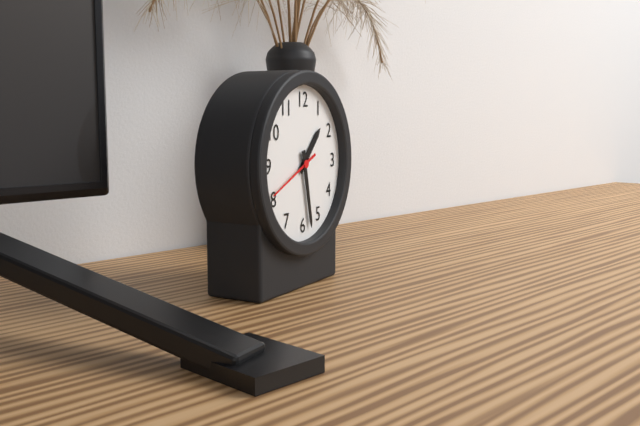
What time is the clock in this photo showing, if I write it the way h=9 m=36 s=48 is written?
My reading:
h=1 m=28 s=41
